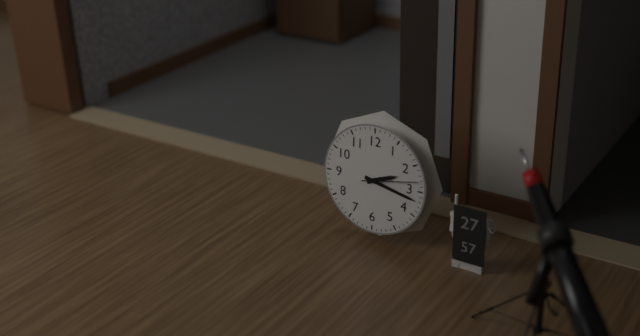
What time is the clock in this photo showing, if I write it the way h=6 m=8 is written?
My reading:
h=2 m=17
